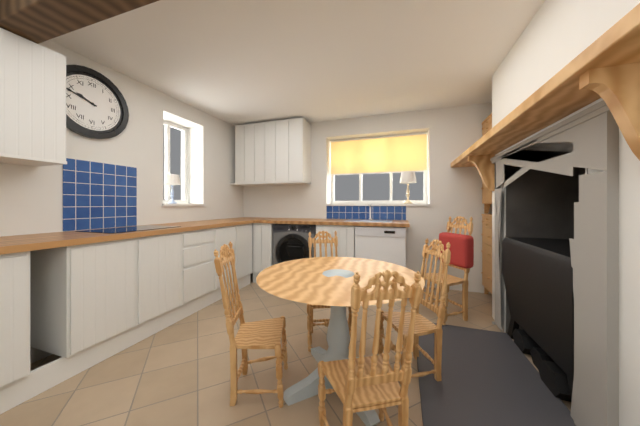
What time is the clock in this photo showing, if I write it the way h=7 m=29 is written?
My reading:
h=9 m=48
